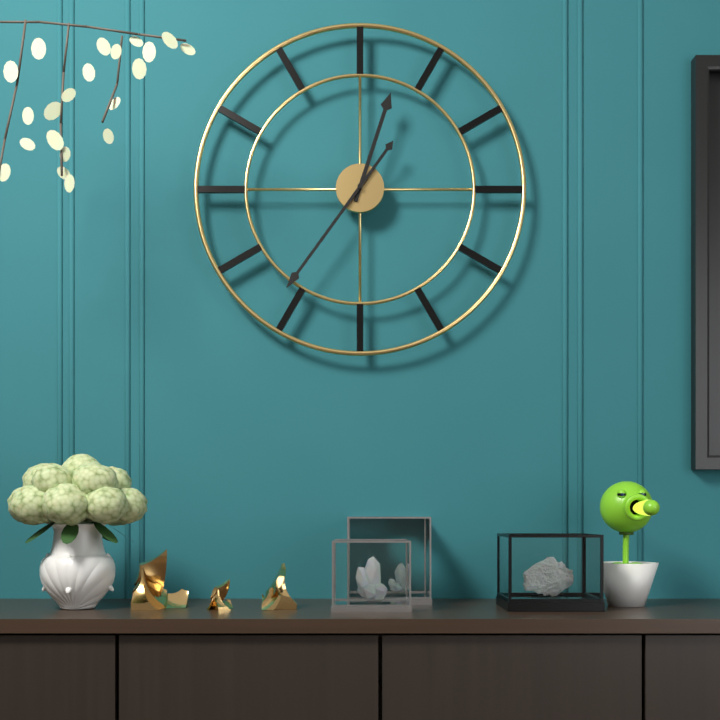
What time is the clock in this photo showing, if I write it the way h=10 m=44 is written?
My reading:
h=12 m=36
